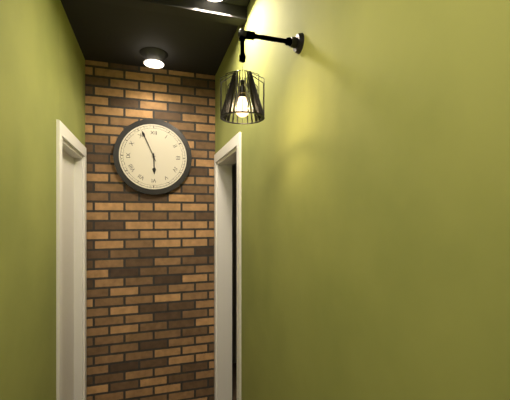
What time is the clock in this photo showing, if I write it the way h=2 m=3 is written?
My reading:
h=5 m=56
